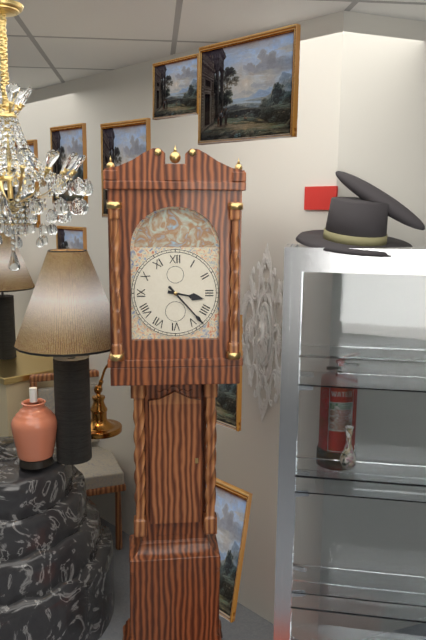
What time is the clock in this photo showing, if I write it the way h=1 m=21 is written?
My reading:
h=3 m=23
